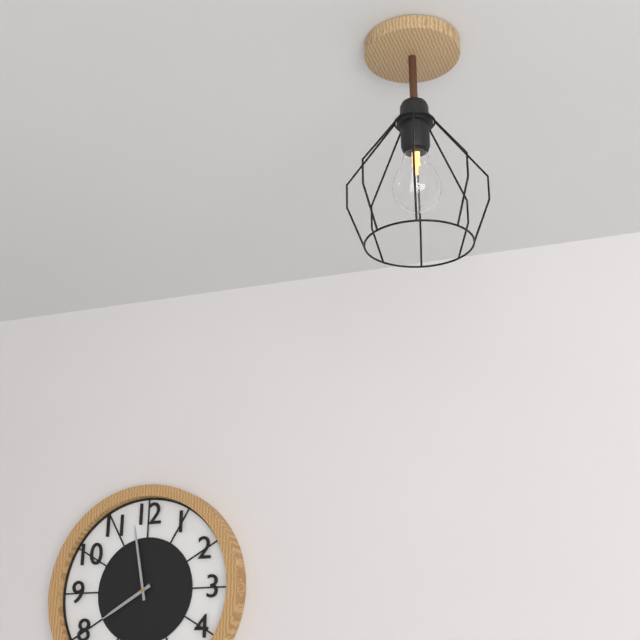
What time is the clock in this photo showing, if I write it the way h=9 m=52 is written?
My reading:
h=7 m=58
